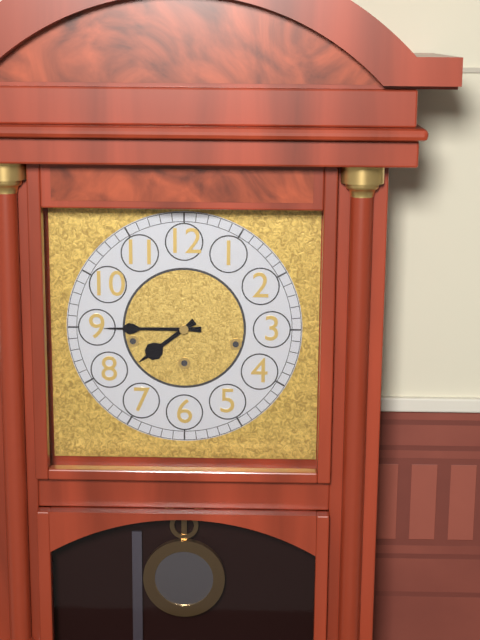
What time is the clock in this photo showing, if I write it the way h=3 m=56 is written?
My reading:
h=7 m=45
